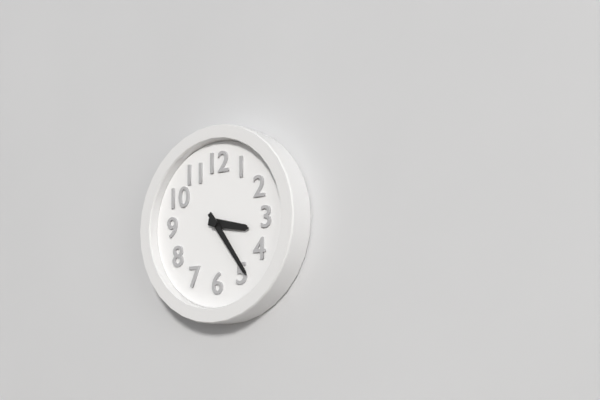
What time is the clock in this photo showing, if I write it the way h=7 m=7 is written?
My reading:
h=3 m=24
